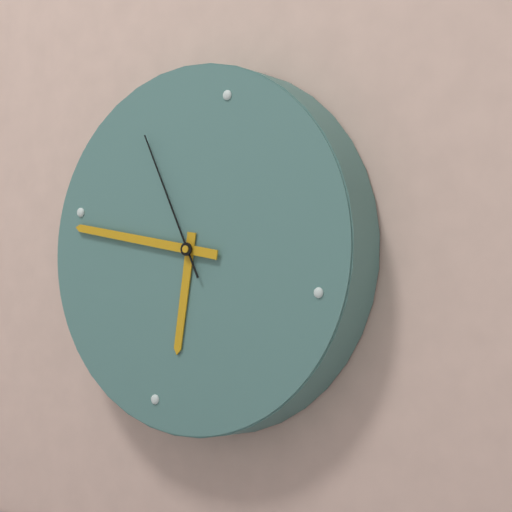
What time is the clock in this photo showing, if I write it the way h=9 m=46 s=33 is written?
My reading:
h=5 m=44 s=53
